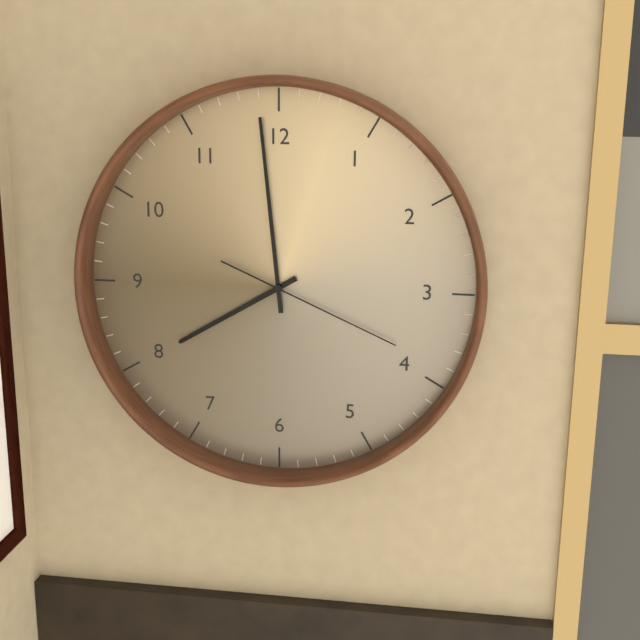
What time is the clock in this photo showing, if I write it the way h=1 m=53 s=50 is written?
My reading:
h=7 m=59 s=19
